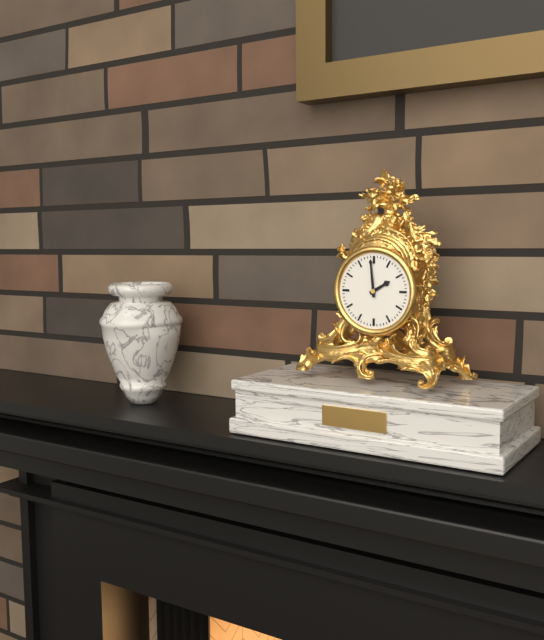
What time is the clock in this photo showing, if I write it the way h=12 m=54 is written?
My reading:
h=1 m=59
